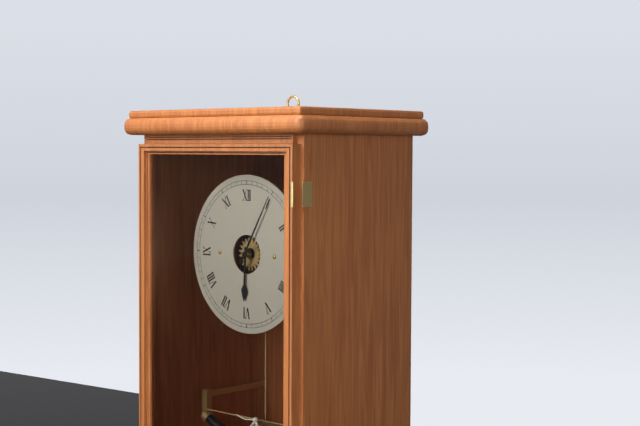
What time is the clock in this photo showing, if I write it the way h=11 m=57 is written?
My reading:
h=6 m=5
